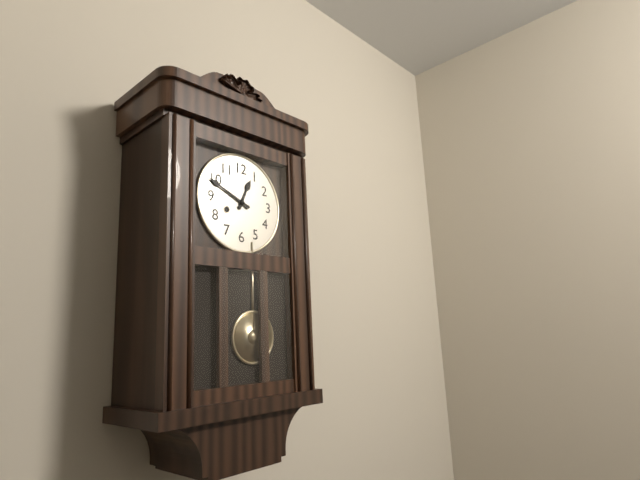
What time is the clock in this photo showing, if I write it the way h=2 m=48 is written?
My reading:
h=12 m=49
